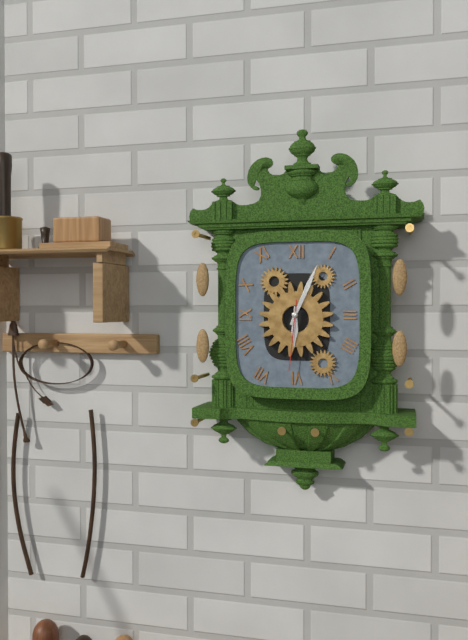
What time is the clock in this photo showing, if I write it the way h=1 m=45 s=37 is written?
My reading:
h=6 m=4 s=31
